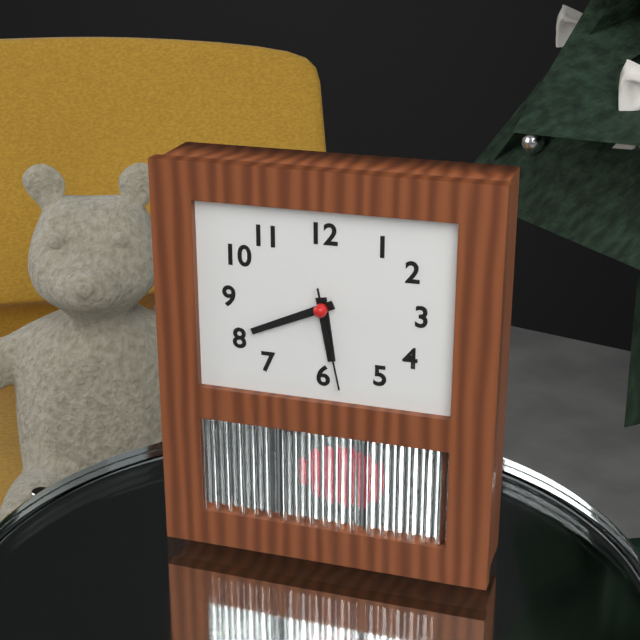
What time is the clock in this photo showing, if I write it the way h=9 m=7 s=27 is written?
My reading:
h=5 m=41 s=28
